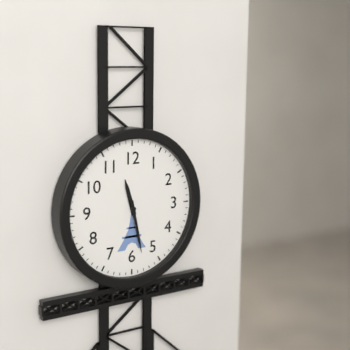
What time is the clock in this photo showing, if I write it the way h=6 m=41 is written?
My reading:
h=11 m=28
